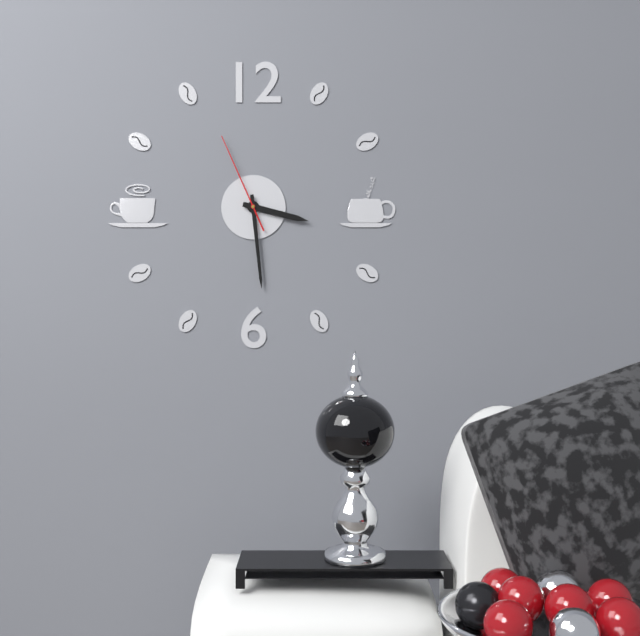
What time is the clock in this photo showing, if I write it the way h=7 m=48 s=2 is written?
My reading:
h=3 m=29 s=56
